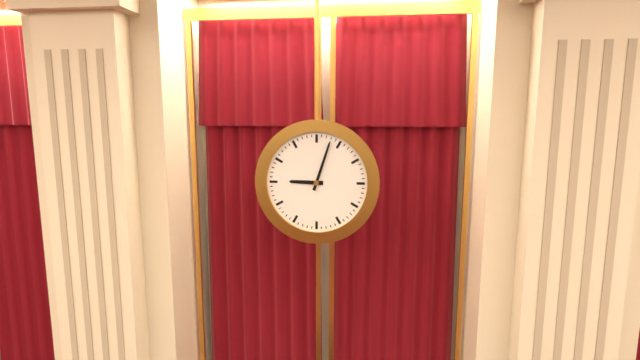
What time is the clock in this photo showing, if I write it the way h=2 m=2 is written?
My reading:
h=9 m=3
